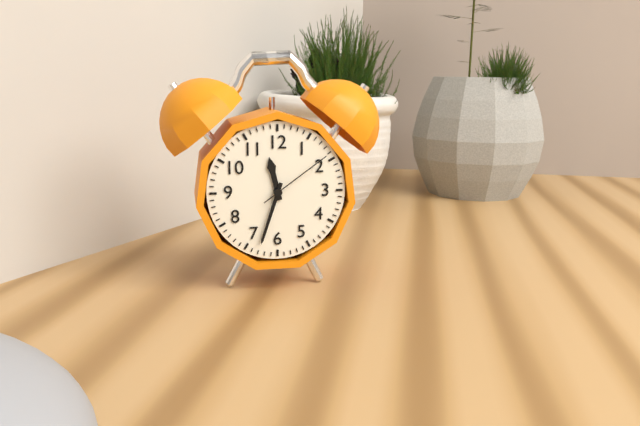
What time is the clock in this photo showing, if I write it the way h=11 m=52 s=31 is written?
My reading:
h=11 m=33 s=9
